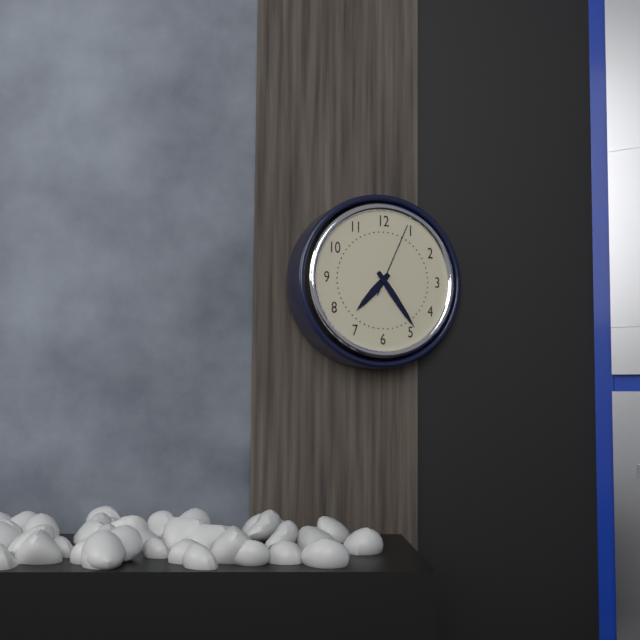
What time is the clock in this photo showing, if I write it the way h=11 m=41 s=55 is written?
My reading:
h=7 m=24 s=4
